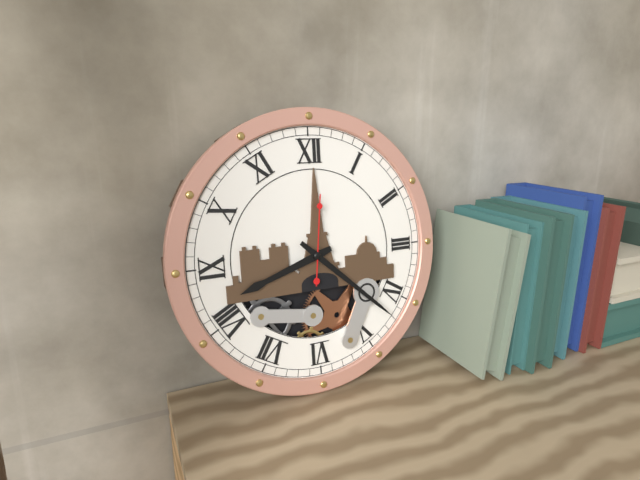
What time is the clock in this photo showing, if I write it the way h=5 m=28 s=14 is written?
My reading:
h=8 m=22 s=1
